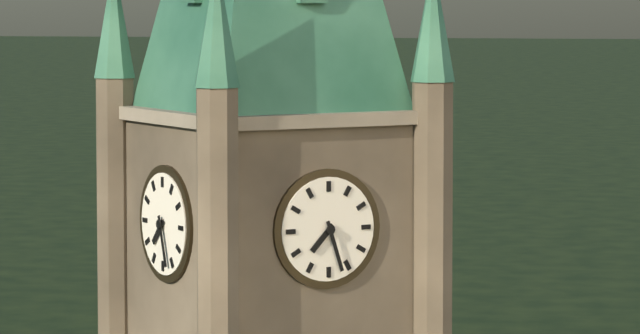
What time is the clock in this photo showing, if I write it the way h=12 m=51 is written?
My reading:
h=7 m=27
